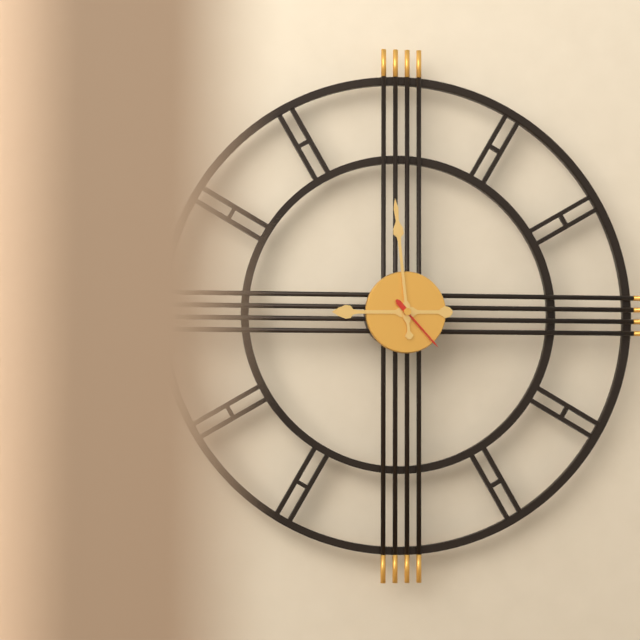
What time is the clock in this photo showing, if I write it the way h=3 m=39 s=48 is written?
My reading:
h=8 m=59 s=23
